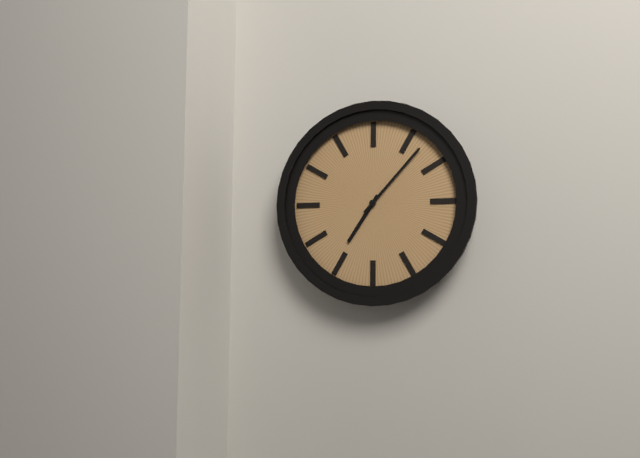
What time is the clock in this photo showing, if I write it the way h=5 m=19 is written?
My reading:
h=7 m=7
